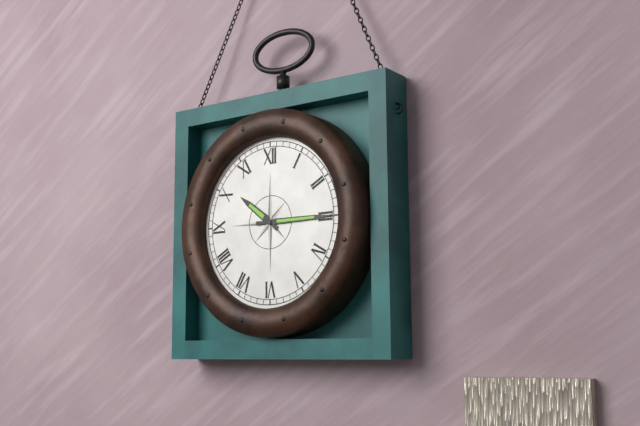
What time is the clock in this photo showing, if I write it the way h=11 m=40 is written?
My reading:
h=10 m=15
